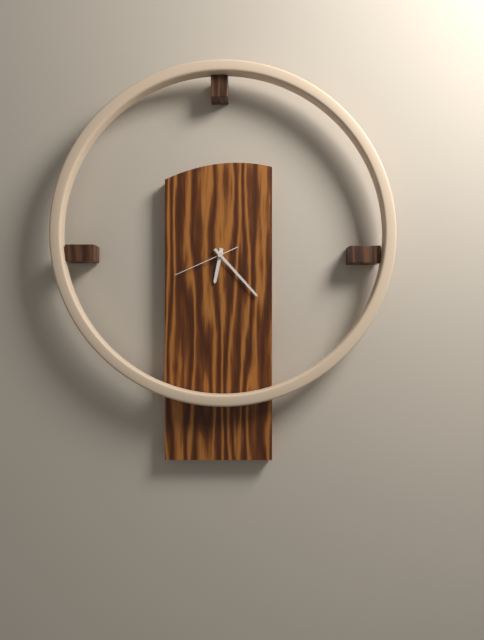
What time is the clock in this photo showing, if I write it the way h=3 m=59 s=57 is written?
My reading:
h=6 m=23 s=41
